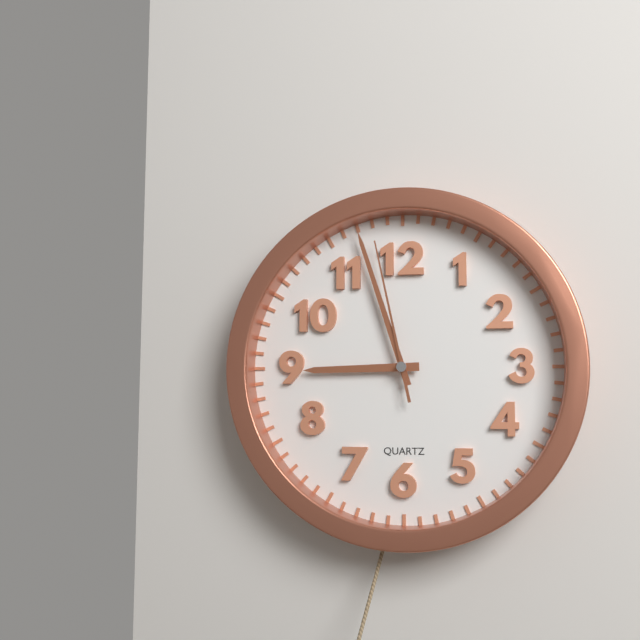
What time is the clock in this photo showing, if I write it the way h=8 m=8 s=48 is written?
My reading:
h=8 m=57 s=58
